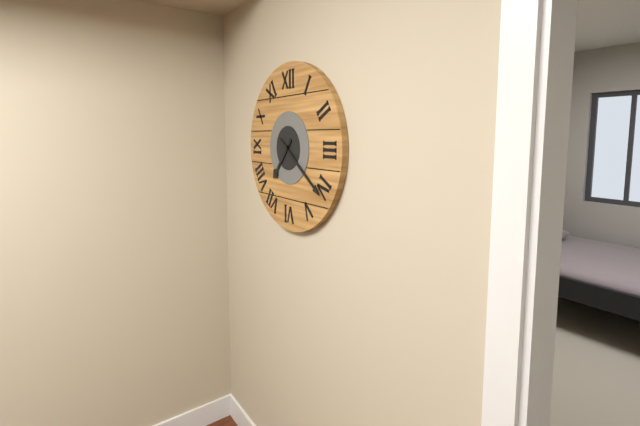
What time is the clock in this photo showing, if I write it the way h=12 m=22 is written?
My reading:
h=7 m=21
